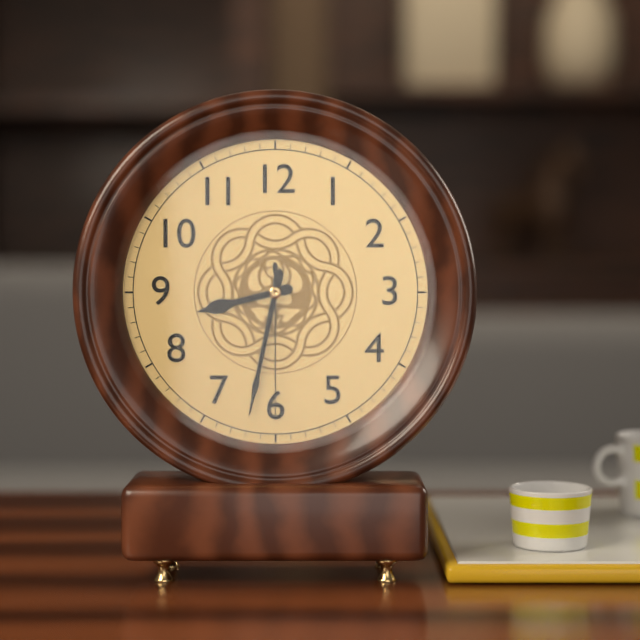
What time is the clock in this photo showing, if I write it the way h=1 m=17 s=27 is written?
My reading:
h=8 m=32 s=30
